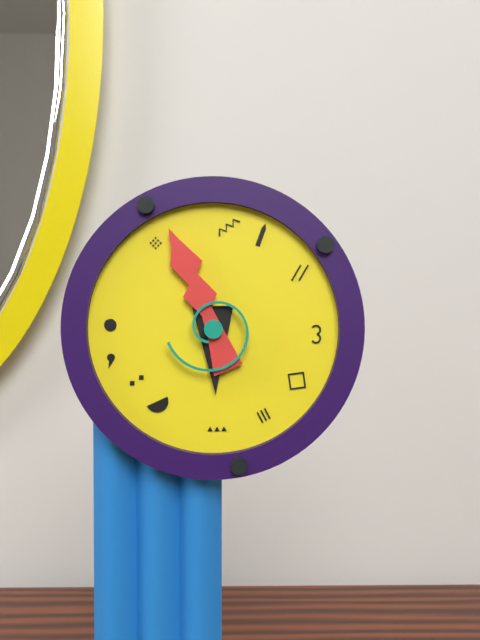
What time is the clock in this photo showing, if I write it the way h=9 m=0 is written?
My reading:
h=5 m=56
